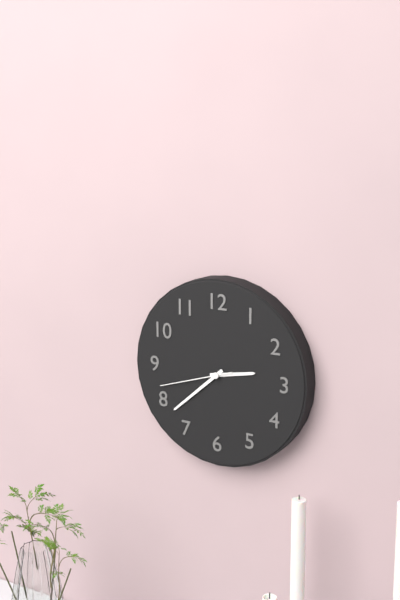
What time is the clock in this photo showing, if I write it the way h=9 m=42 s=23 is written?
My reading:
h=2 m=38 s=42
